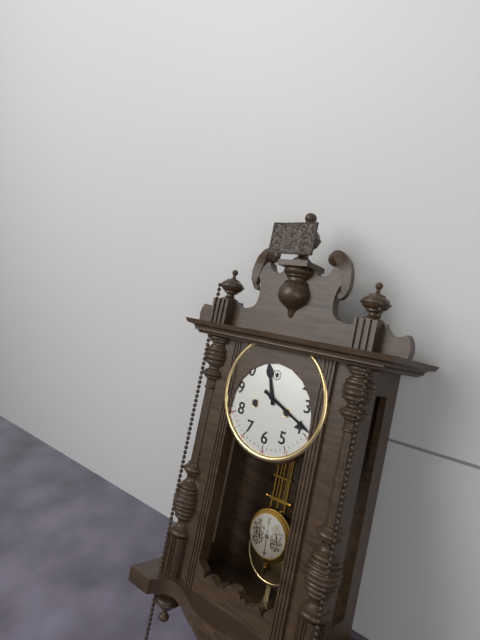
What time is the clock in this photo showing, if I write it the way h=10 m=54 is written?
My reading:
h=11 m=19
